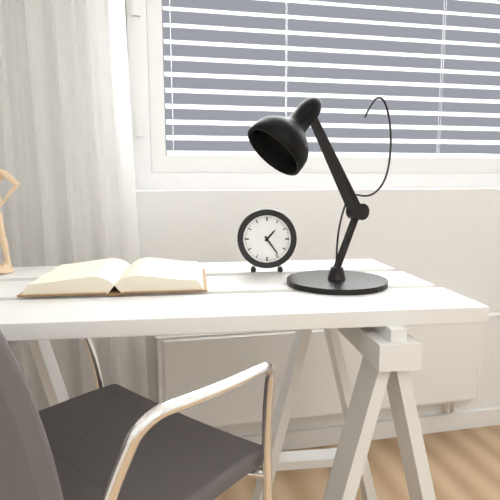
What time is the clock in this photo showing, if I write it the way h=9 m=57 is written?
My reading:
h=1 m=24
